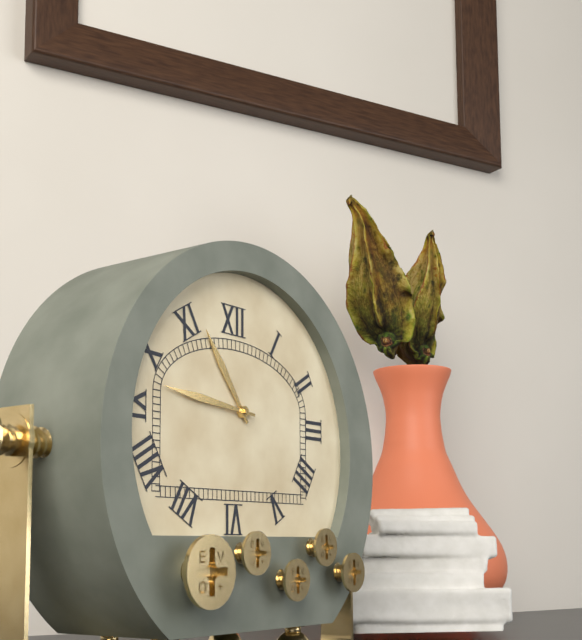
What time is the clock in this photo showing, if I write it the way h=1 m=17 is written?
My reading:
h=10 m=46
